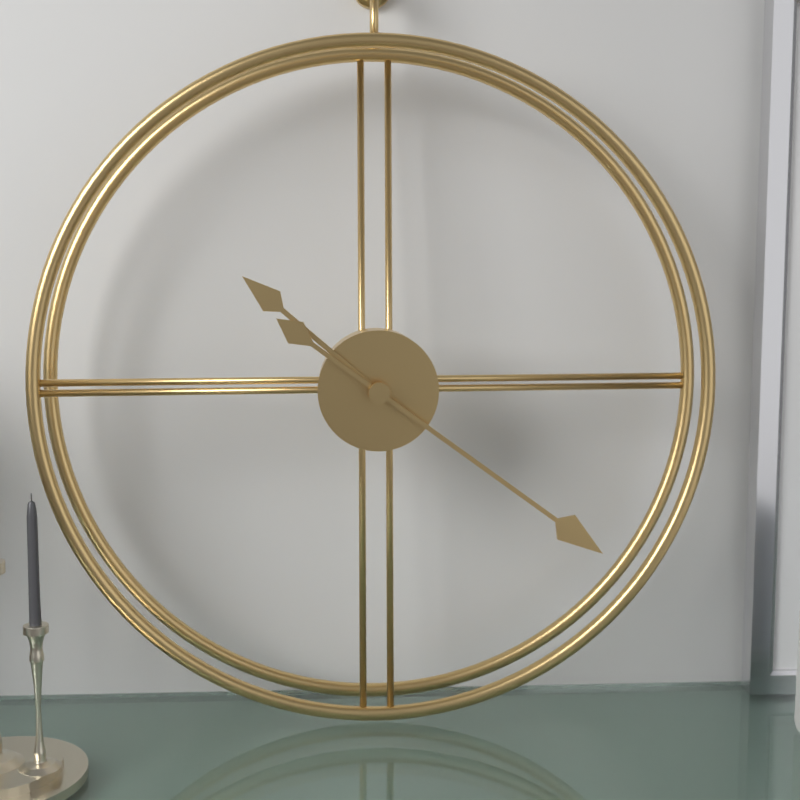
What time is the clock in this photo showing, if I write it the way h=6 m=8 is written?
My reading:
h=10 m=21
